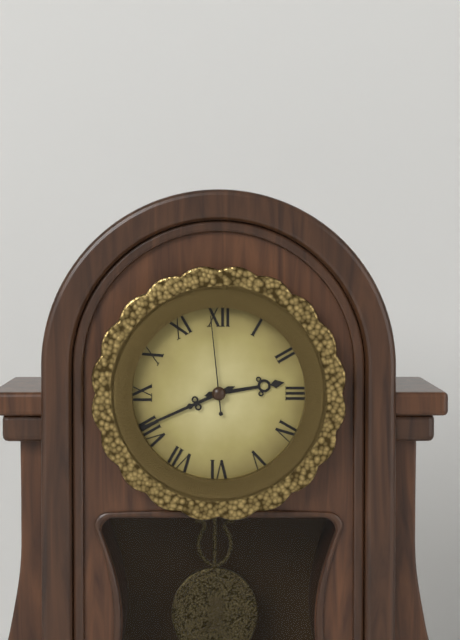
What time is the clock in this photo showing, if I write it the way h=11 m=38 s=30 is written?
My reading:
h=2 m=41 s=59
